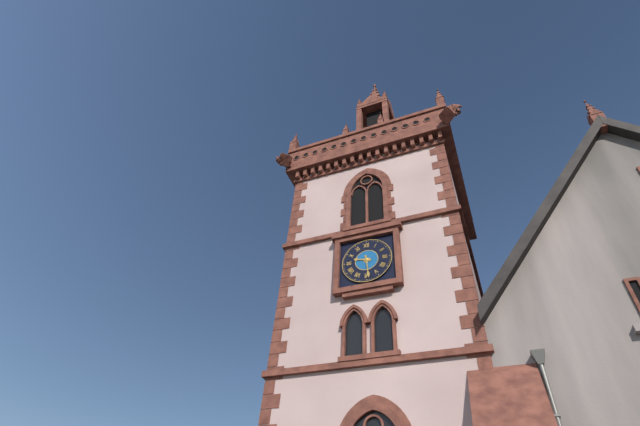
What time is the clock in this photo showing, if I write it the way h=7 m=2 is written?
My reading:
h=9 m=29
